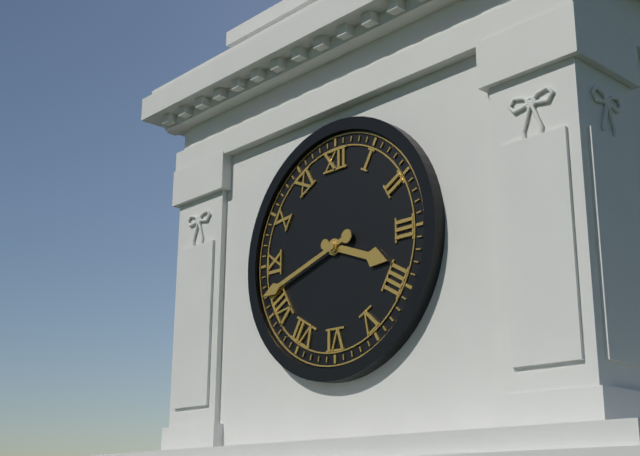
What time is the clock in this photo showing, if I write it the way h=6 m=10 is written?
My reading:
h=3 m=42
